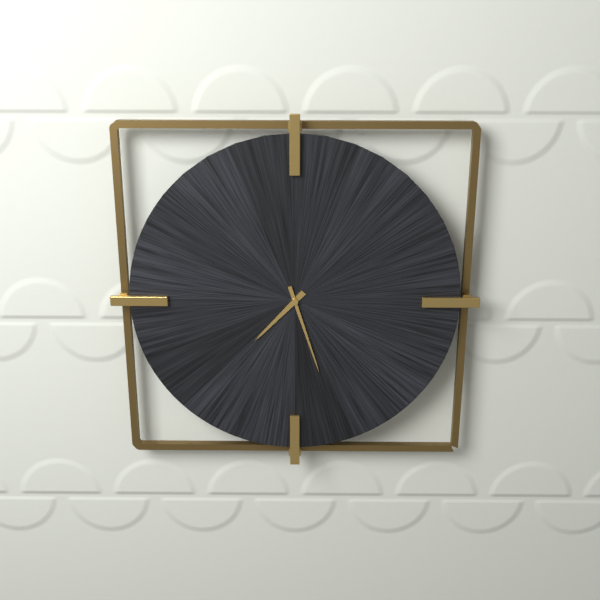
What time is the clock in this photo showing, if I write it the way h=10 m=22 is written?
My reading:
h=7 m=27
